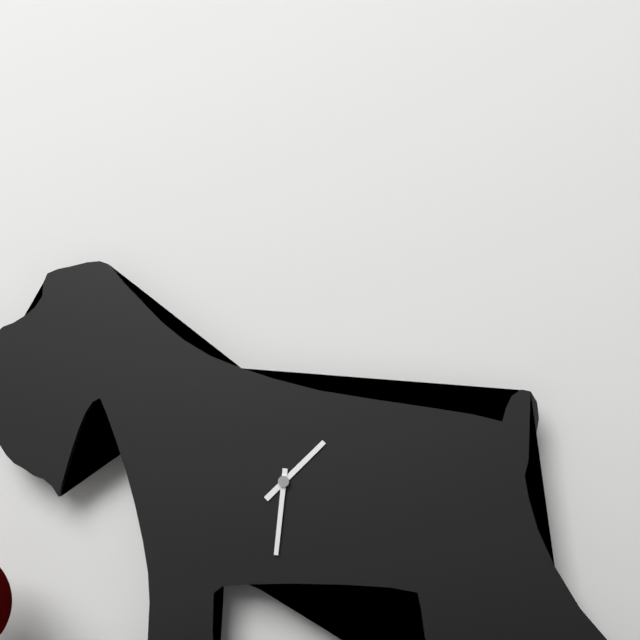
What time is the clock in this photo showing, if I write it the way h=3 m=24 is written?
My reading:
h=1 m=31
